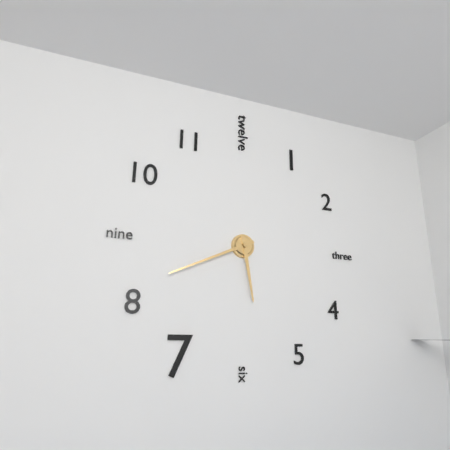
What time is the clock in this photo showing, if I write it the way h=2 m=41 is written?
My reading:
h=5 m=41
